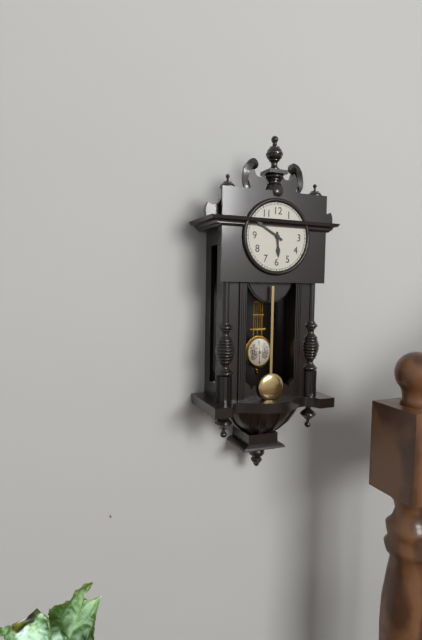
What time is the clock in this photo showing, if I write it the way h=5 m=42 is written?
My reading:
h=5 m=50
